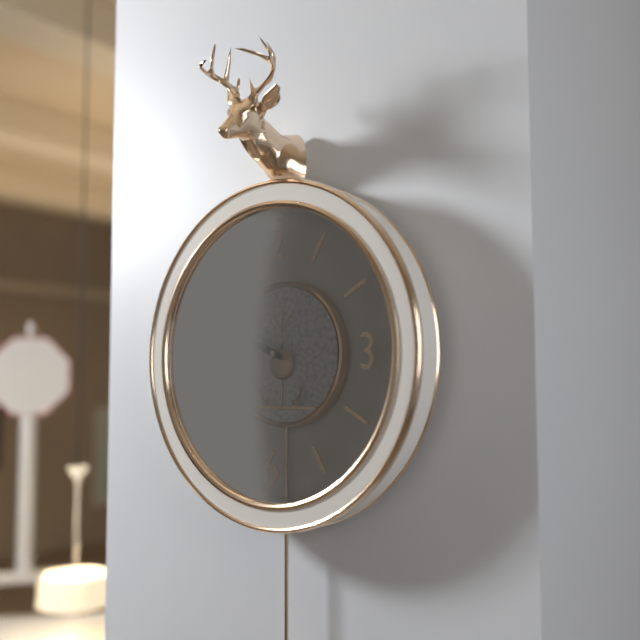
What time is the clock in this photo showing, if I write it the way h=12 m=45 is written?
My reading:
h=9 m=49
